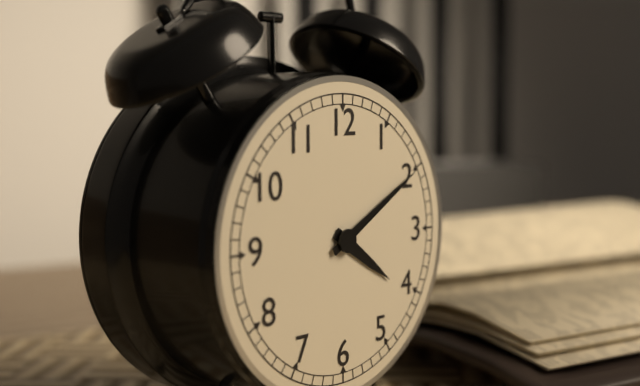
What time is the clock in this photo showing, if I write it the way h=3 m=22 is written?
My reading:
h=4 m=10
